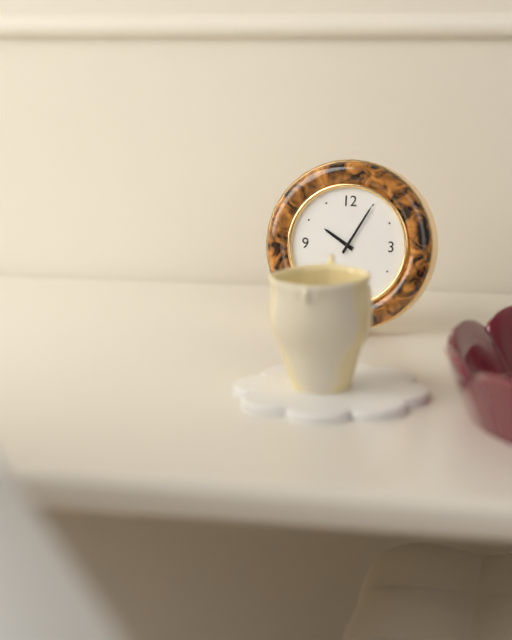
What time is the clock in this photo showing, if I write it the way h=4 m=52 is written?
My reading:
h=10 m=5
